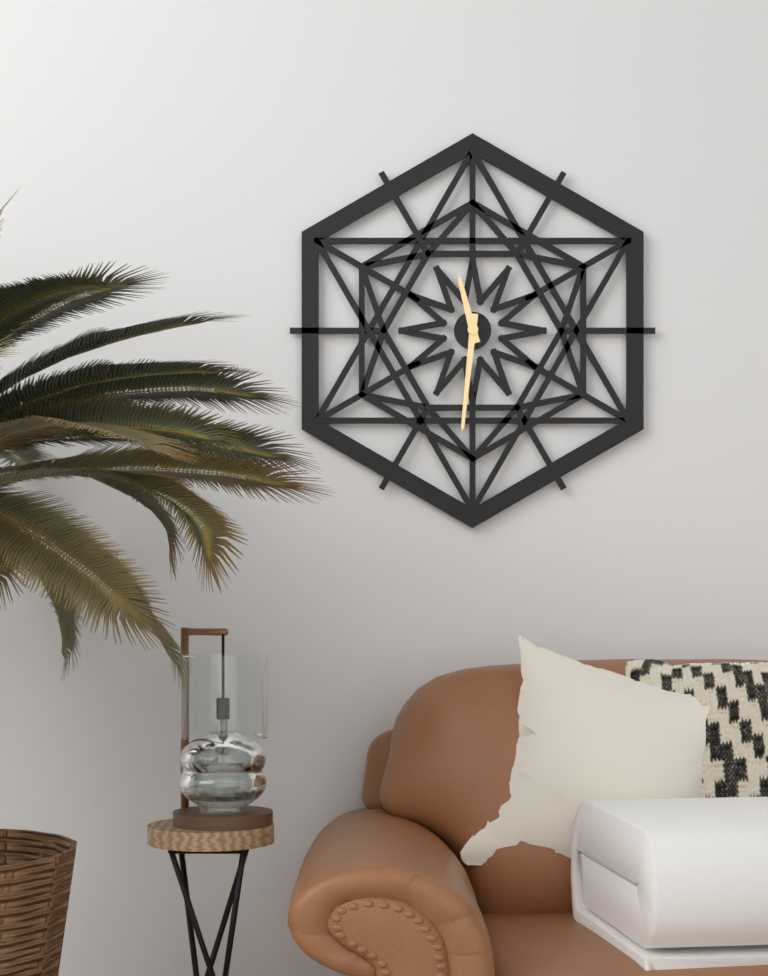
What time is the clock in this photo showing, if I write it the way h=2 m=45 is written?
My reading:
h=11 m=31
